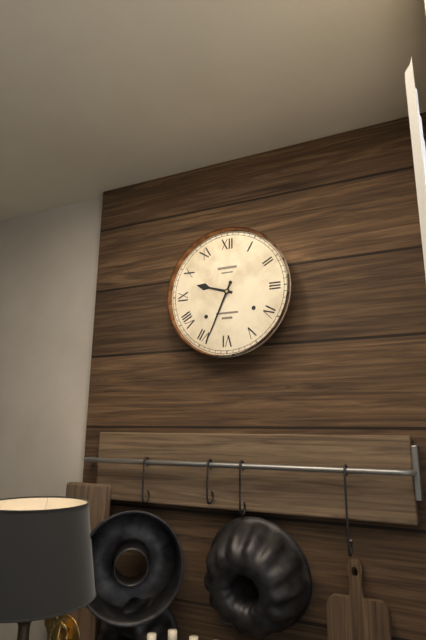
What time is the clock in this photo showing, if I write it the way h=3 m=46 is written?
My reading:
h=9 m=34
